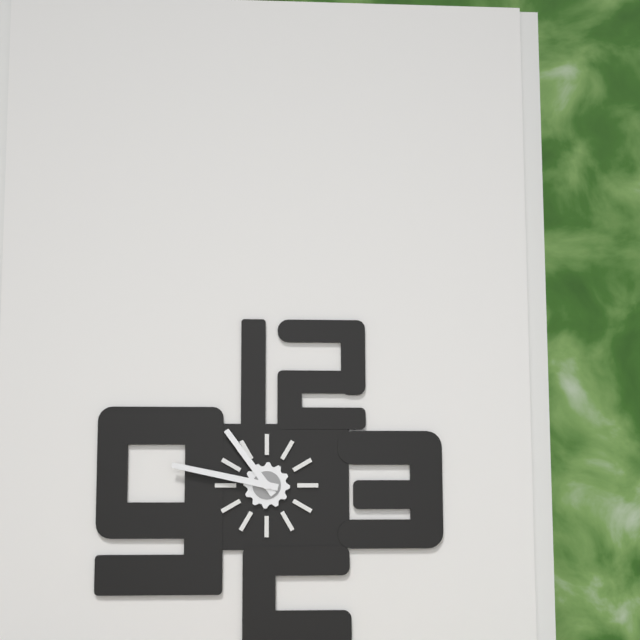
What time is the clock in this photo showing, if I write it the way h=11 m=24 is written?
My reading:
h=10 m=47
